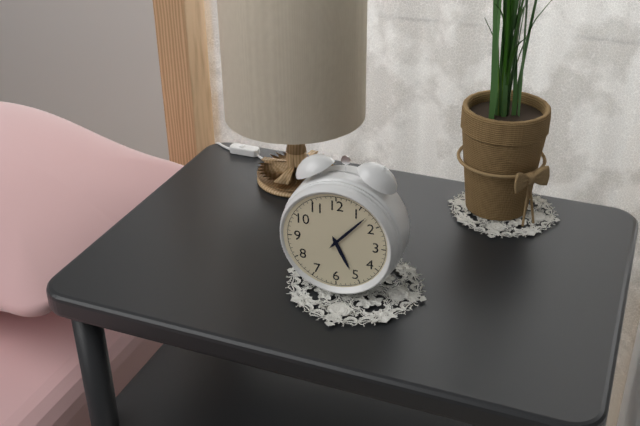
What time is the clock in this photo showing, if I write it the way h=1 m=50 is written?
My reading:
h=5 m=7
